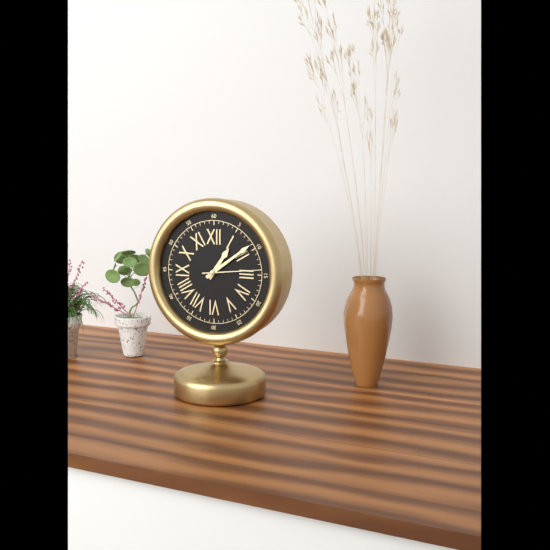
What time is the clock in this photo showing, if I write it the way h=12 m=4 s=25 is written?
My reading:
h=1 m=9 s=14
